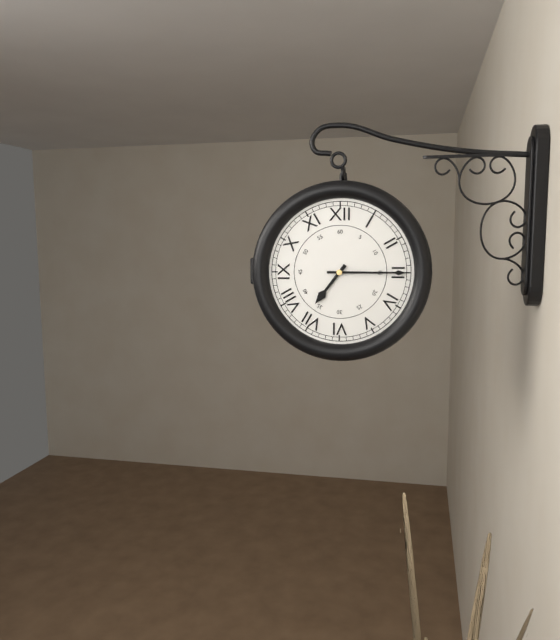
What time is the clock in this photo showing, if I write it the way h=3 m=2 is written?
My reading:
h=7 m=15
